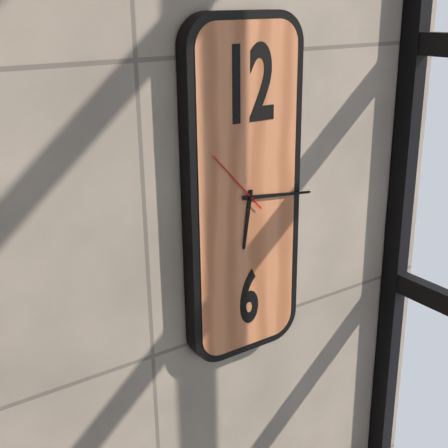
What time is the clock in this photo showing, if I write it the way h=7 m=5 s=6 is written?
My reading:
h=6 m=16 s=53
